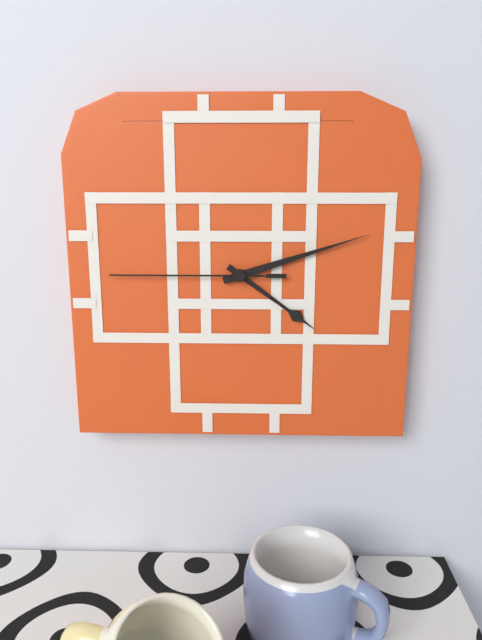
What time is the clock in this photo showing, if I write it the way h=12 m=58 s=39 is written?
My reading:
h=4 m=12 s=45
